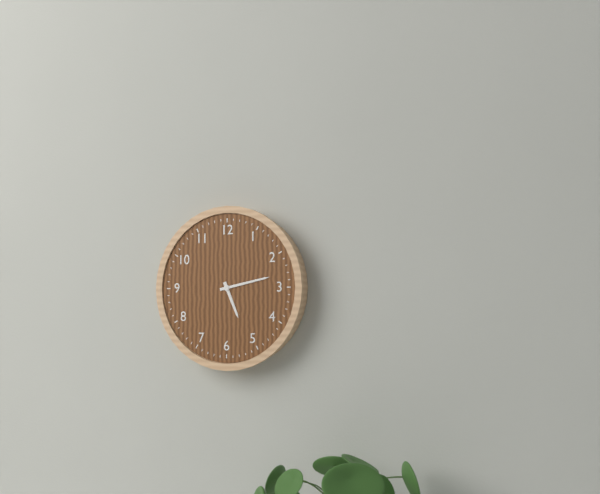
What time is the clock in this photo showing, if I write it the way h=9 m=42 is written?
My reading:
h=5 m=13
